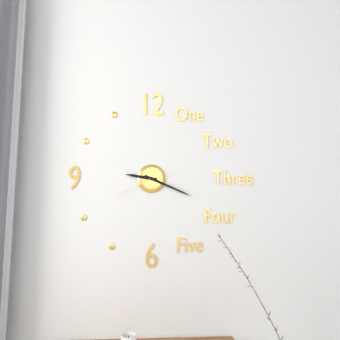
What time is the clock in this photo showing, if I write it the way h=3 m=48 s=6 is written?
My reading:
h=9 m=19 s=41
